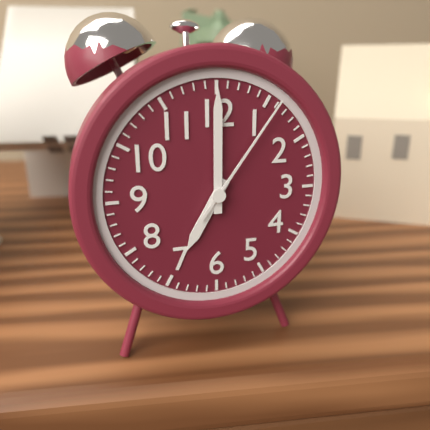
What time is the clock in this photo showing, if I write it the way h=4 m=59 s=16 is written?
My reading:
h=7 m=0 s=6
